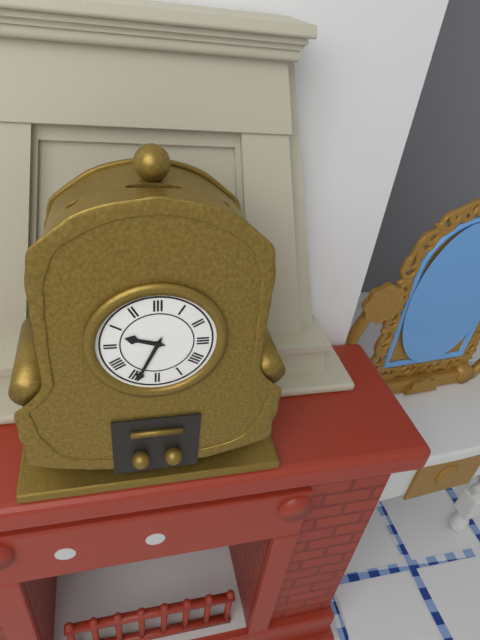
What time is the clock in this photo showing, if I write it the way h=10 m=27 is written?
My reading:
h=9 m=34
